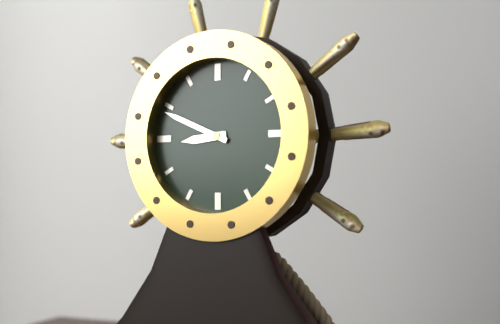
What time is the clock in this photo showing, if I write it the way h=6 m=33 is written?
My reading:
h=8 m=49
